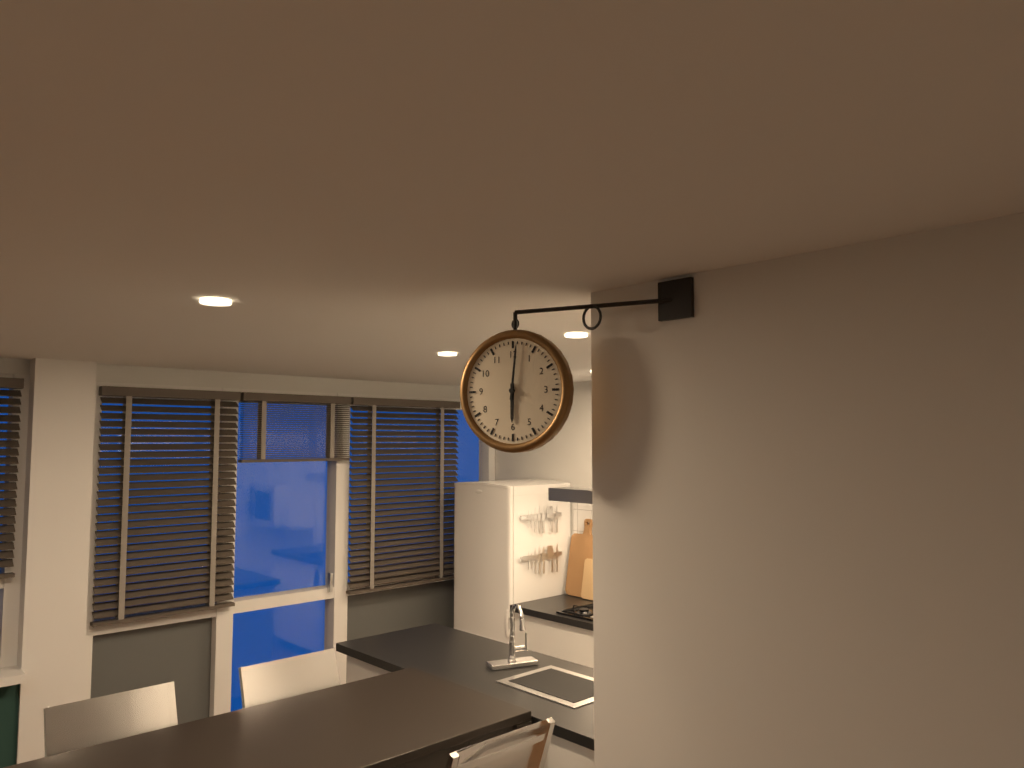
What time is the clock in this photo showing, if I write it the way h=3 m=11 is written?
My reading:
h=6 m=1
